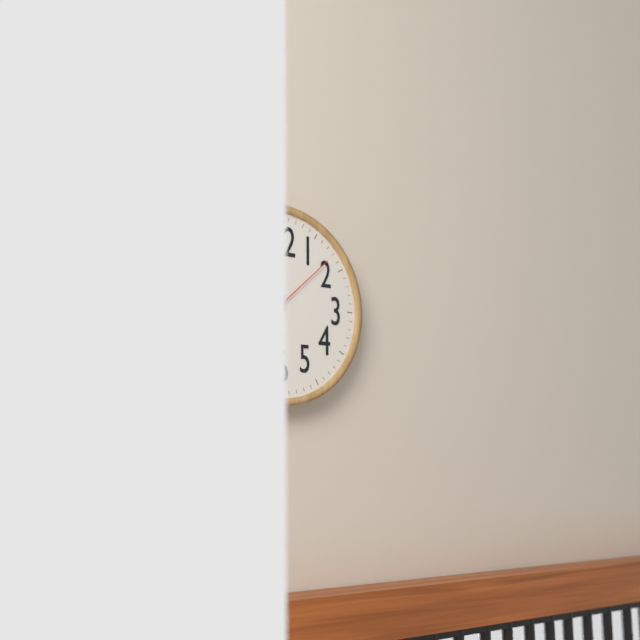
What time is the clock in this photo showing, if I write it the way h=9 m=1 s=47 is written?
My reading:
h=11 m=31 s=8
